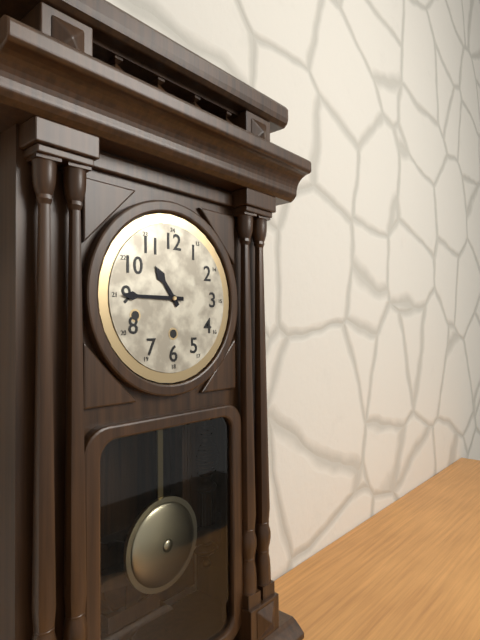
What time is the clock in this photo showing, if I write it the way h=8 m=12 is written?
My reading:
h=10 m=45
